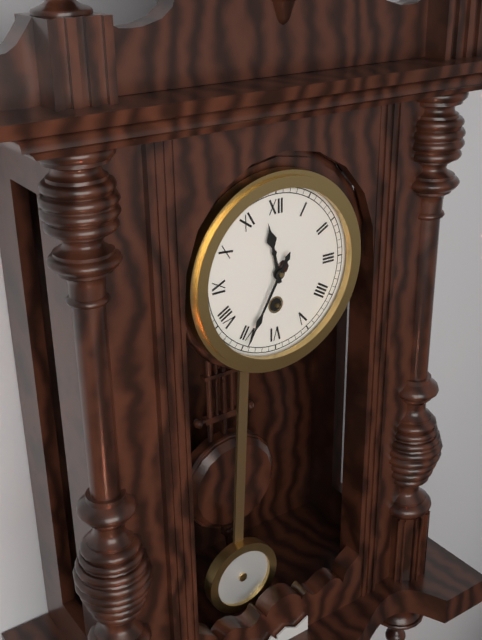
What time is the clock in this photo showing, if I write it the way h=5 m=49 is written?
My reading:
h=11 m=35
